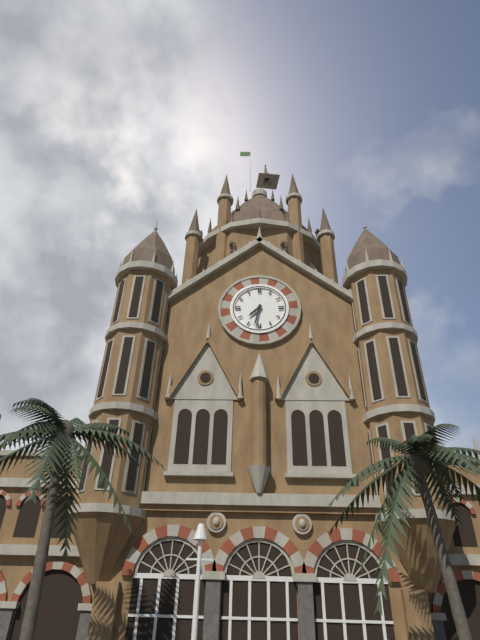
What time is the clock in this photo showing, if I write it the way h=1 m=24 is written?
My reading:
h=7 m=32
